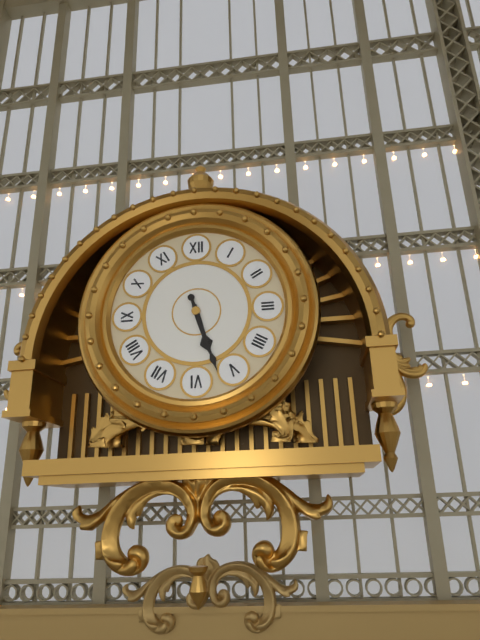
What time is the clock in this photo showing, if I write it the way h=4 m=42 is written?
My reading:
h=5 m=27
